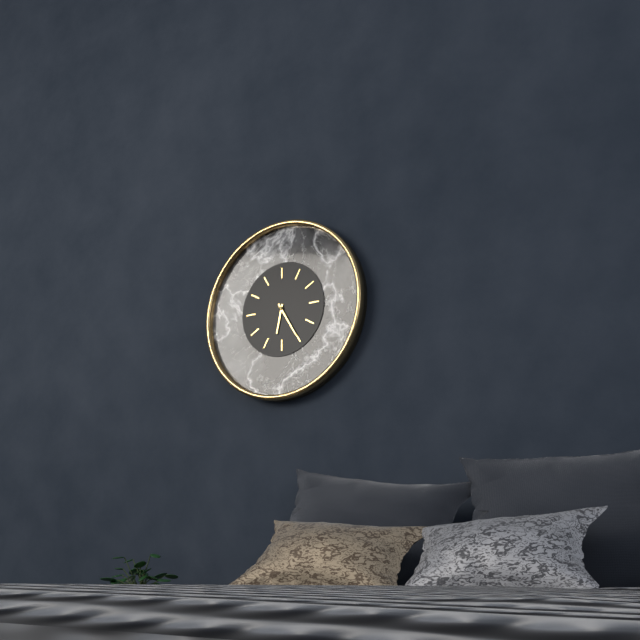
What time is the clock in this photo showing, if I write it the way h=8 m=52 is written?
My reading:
h=6 m=25
